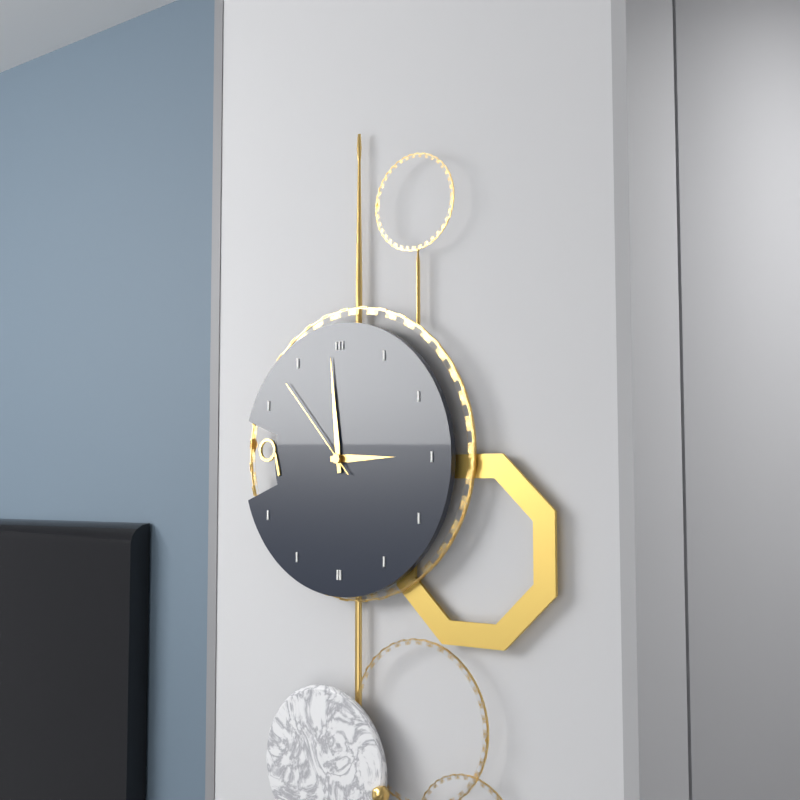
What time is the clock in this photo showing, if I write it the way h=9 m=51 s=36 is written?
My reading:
h=2 m=59 s=53
